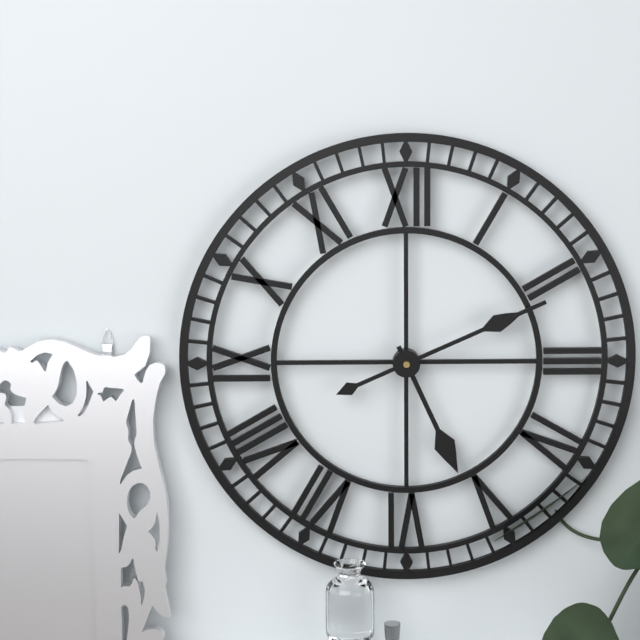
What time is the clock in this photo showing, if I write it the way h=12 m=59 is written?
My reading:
h=5 m=11
